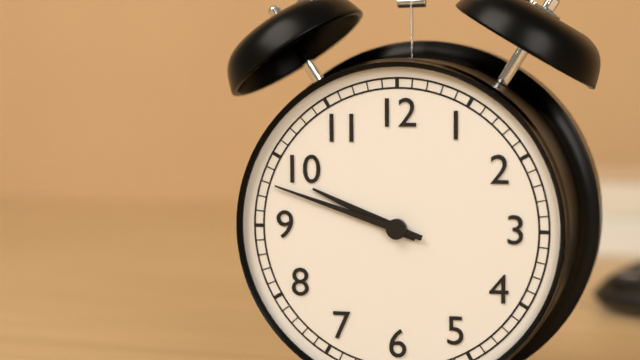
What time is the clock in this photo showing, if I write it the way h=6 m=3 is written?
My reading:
h=9 m=48
